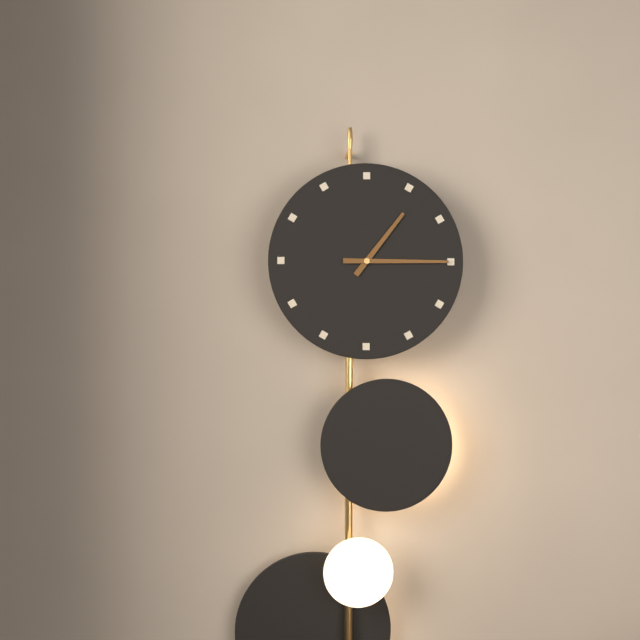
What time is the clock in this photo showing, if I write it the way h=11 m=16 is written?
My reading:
h=1 m=15
